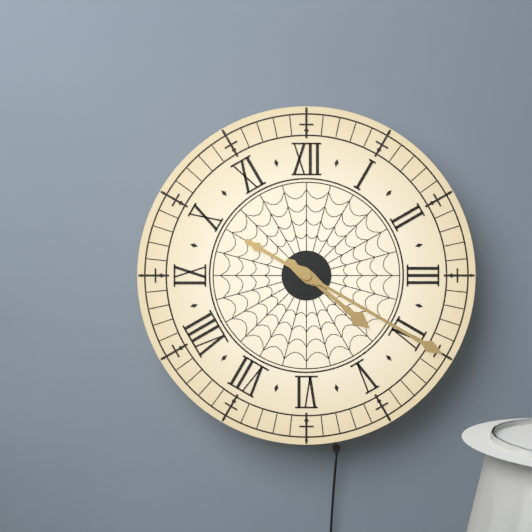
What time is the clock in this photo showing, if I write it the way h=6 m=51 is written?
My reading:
h=4 m=20
